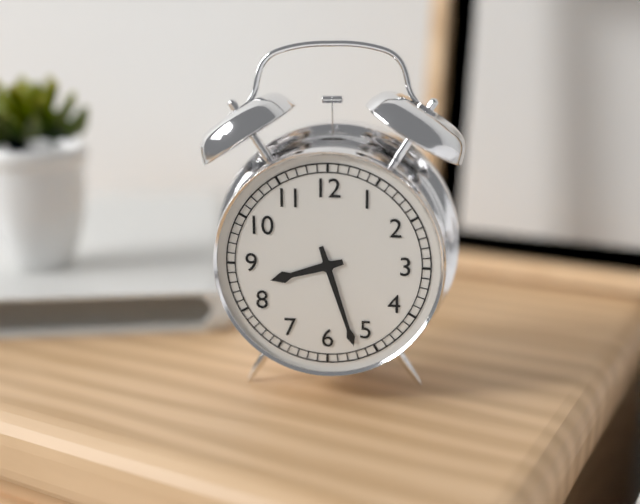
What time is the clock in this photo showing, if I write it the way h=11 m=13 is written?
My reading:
h=8 m=27
